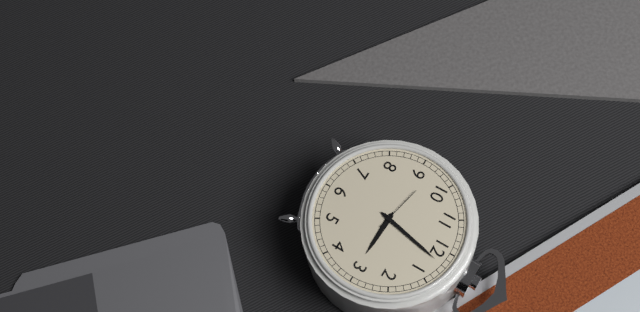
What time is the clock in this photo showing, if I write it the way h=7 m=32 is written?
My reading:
h=3 m=2
